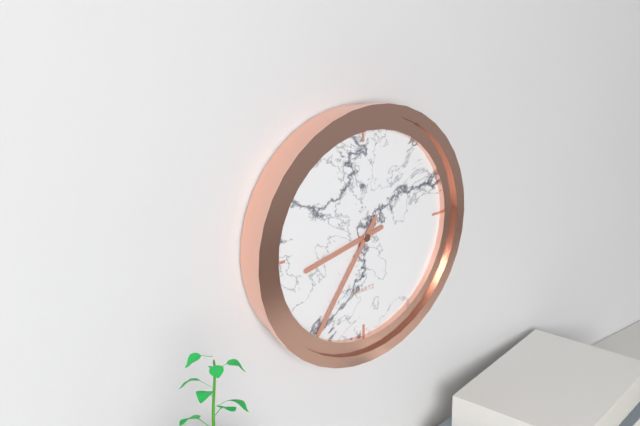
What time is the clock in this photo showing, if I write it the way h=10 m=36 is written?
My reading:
h=8 m=36
